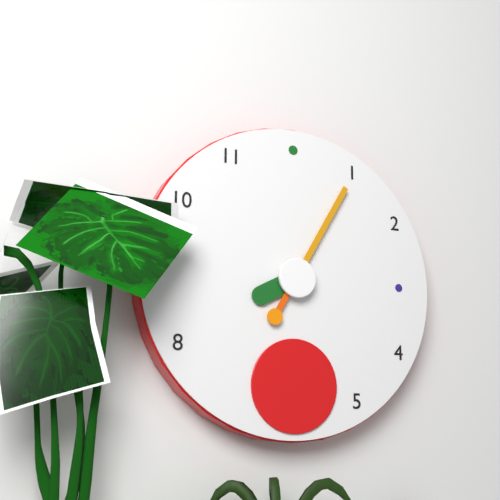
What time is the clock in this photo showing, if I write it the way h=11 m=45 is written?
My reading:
h=8 m=5
